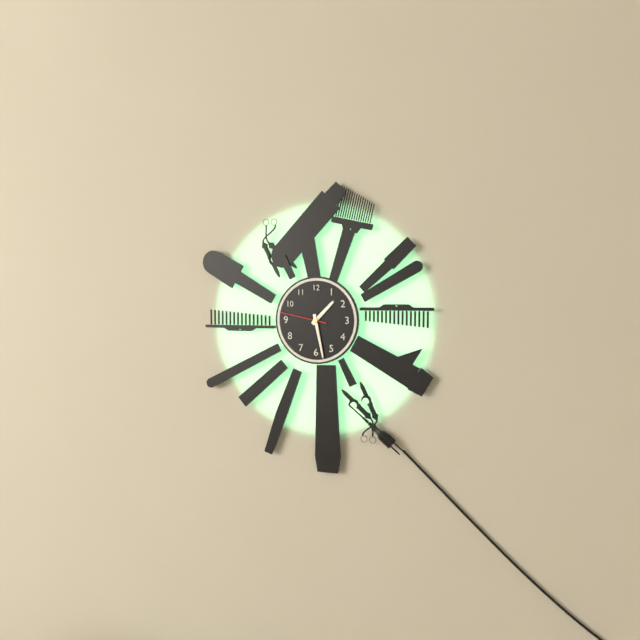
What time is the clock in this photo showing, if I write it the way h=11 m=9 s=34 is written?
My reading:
h=1 m=28 s=47
